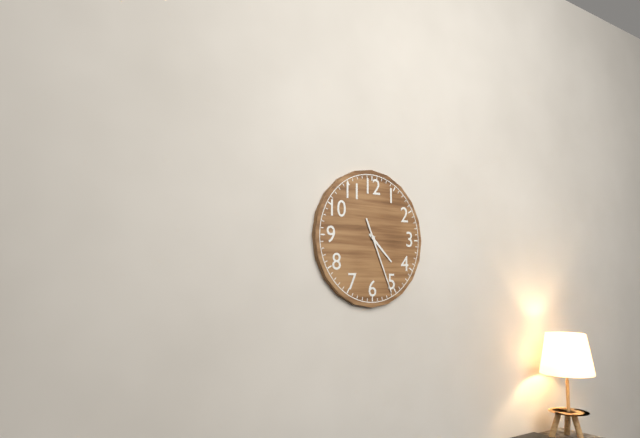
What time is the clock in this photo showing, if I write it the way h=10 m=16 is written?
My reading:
h=4 m=26
